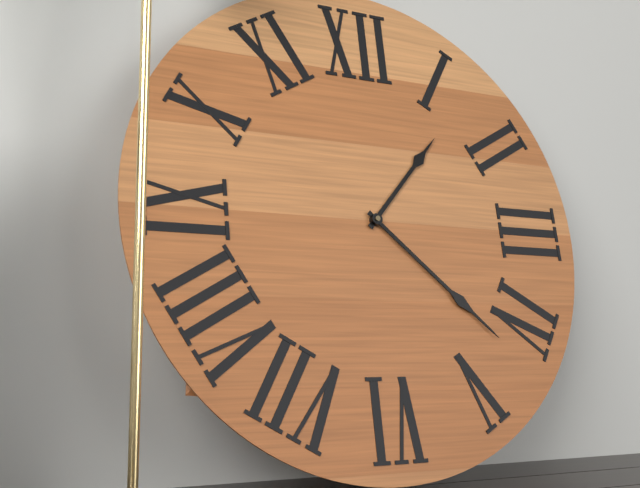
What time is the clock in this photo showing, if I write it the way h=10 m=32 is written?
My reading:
h=1 m=22
